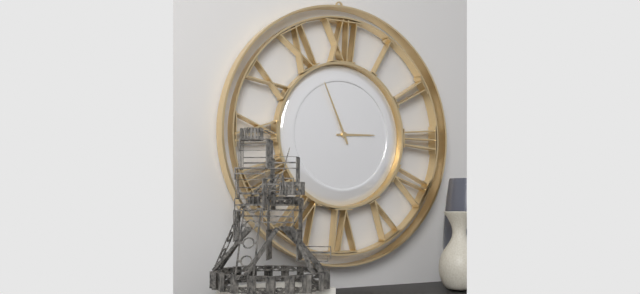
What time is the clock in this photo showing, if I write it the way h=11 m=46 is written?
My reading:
h=2 m=56
